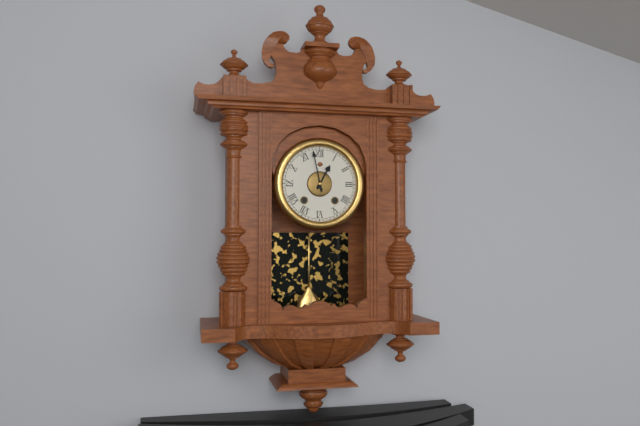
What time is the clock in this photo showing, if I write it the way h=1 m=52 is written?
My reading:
h=12 m=58
